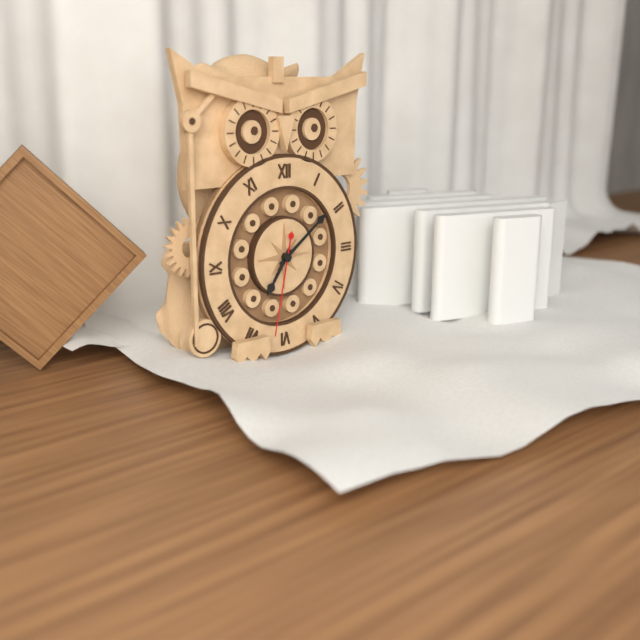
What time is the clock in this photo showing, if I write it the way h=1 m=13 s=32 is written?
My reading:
h=7 m=9 s=32
